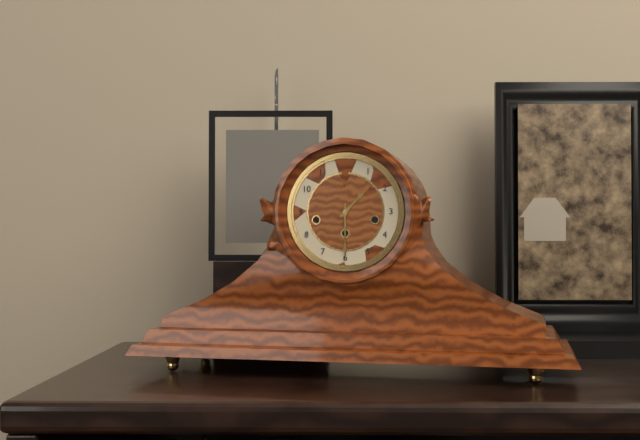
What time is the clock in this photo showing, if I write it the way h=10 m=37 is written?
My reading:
h=1 m=30
